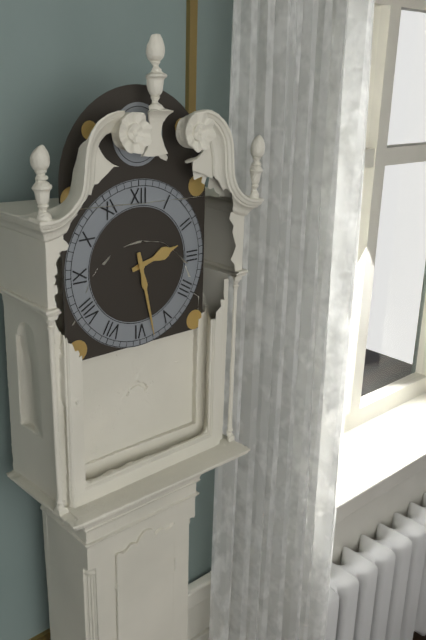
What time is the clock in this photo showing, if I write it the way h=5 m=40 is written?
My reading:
h=2 m=28
